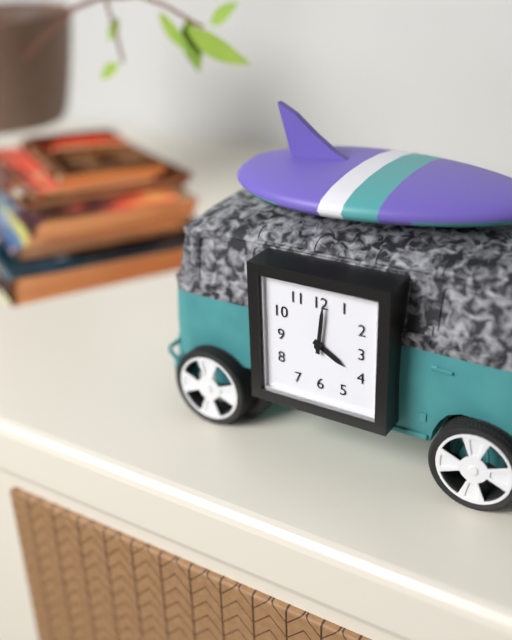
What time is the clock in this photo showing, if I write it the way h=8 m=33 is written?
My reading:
h=4 m=1
